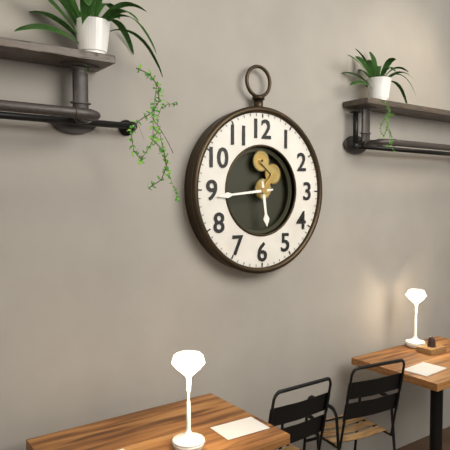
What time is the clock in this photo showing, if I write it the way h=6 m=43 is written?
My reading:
h=5 m=44
